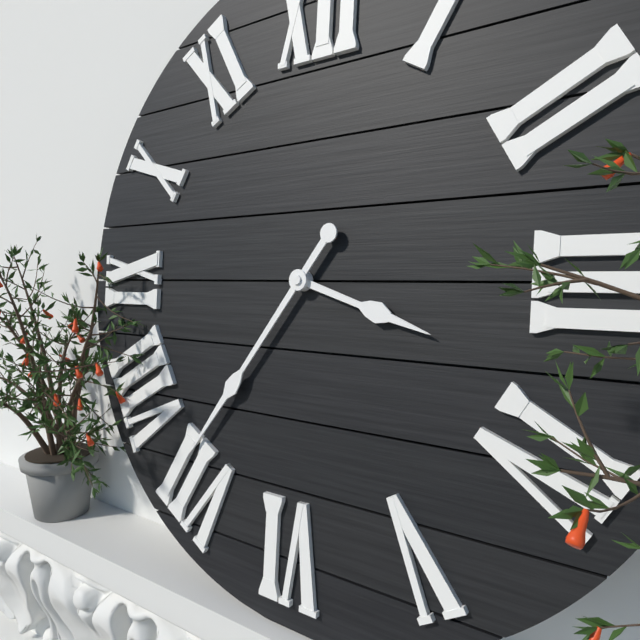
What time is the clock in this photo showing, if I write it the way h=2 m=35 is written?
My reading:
h=3 m=36
